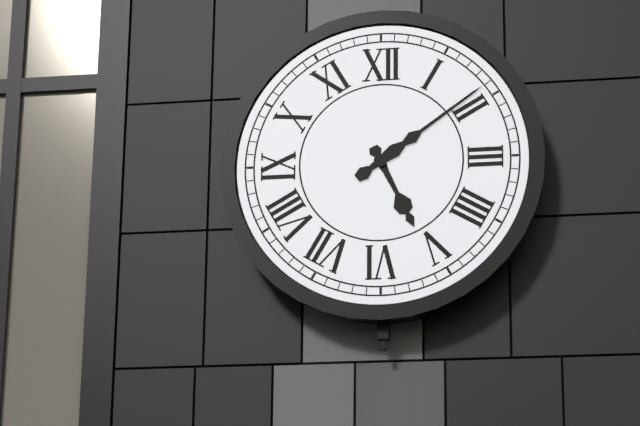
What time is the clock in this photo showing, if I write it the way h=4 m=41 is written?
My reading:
h=5 m=9
